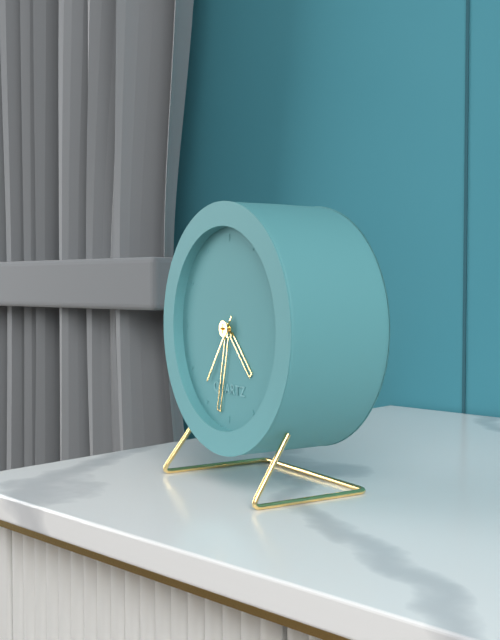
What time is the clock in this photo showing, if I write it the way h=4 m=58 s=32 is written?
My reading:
h=4 m=32 s=36
